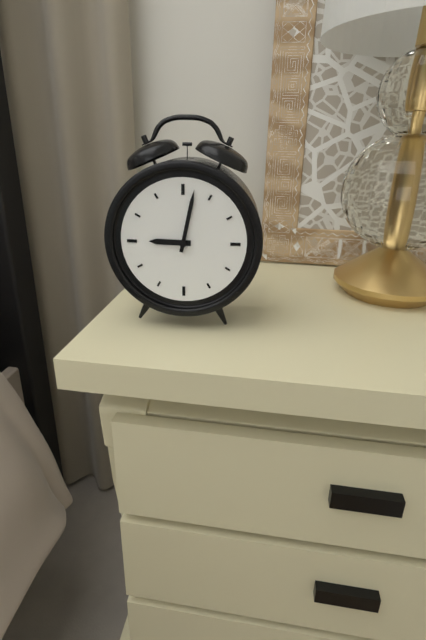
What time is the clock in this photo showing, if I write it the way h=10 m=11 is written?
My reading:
h=9 m=2
